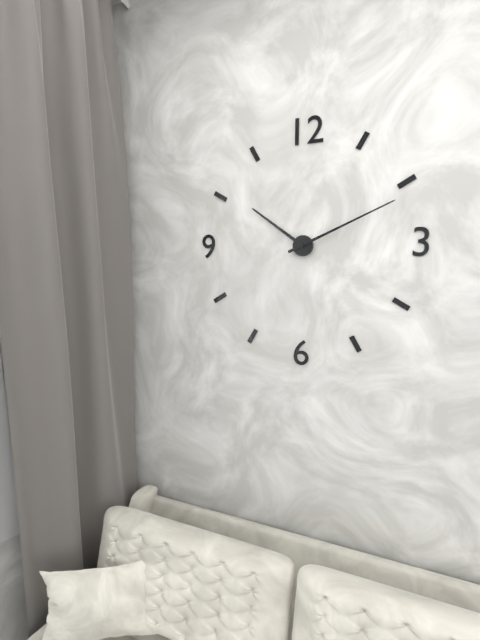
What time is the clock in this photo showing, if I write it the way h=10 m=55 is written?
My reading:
h=10 m=11
